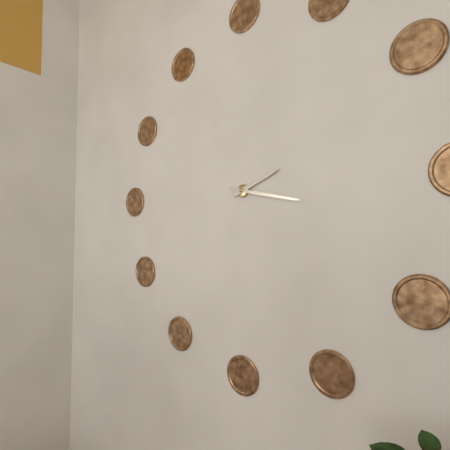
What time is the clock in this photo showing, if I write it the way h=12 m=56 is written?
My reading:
h=2 m=17
